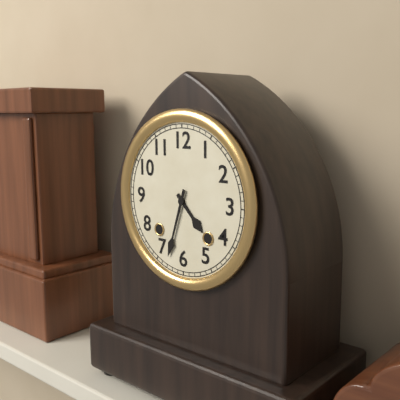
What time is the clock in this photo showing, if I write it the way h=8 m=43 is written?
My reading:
h=4 m=33
